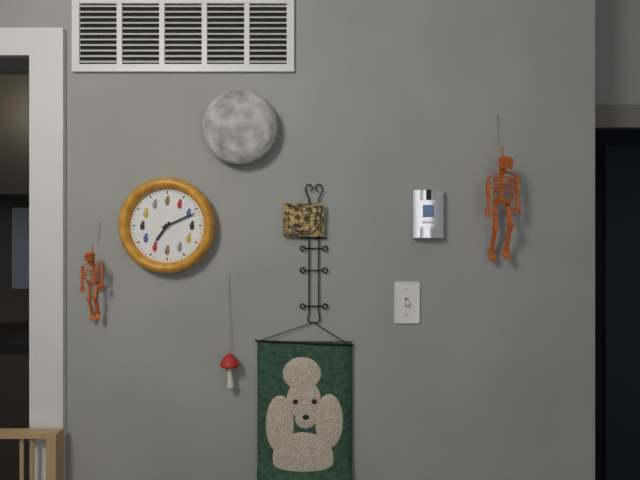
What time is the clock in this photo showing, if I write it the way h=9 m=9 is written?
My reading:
h=7 m=11
